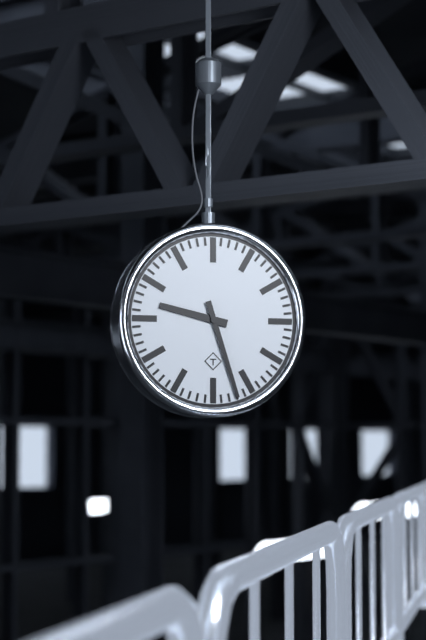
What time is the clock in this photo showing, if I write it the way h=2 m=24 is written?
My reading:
h=9 m=27
